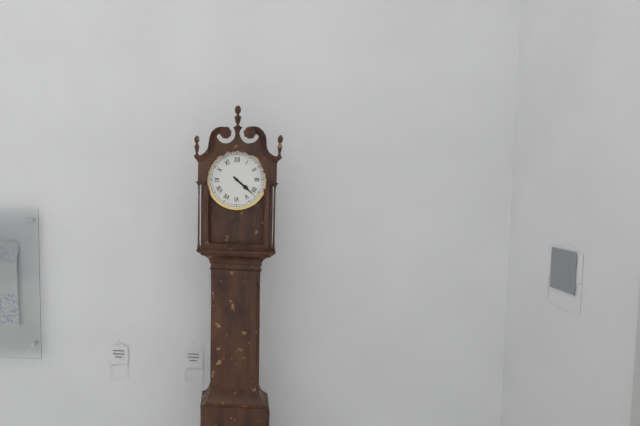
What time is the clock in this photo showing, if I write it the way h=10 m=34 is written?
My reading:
h=4 m=22
